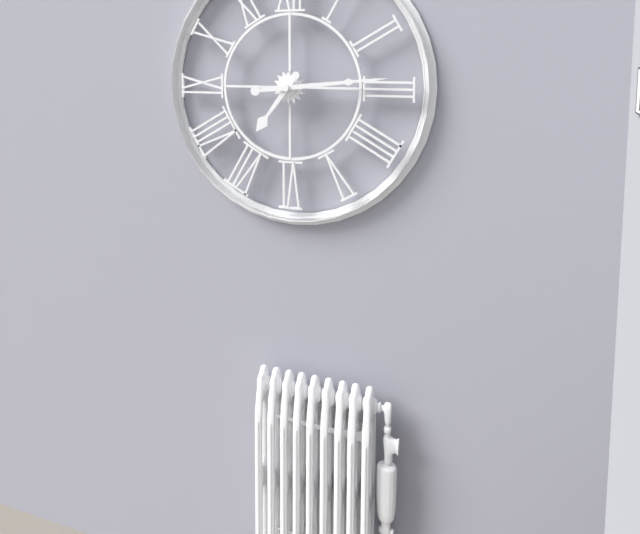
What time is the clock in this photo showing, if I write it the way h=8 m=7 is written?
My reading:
h=7 m=14
